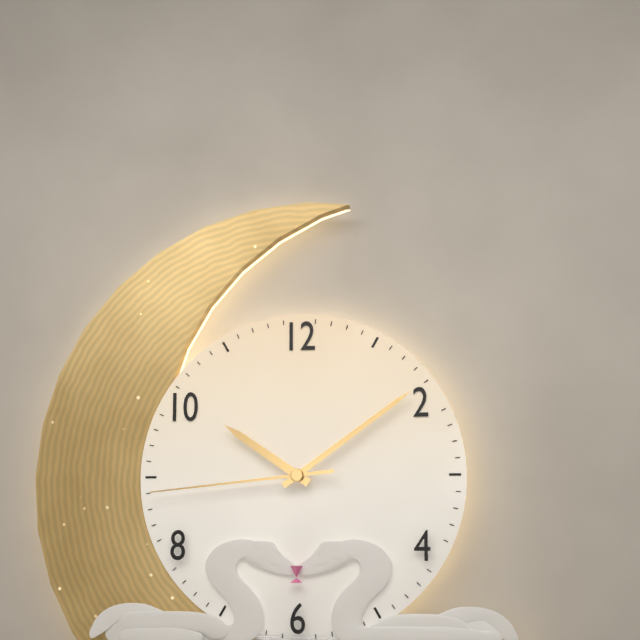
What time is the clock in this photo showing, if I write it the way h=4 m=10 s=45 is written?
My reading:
h=10 m=9 s=44
